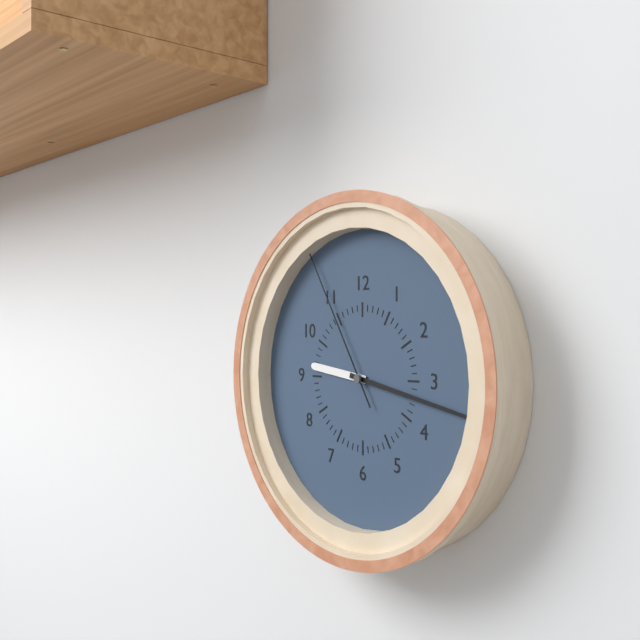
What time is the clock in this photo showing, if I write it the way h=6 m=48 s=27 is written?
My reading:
h=9 m=17 s=55
